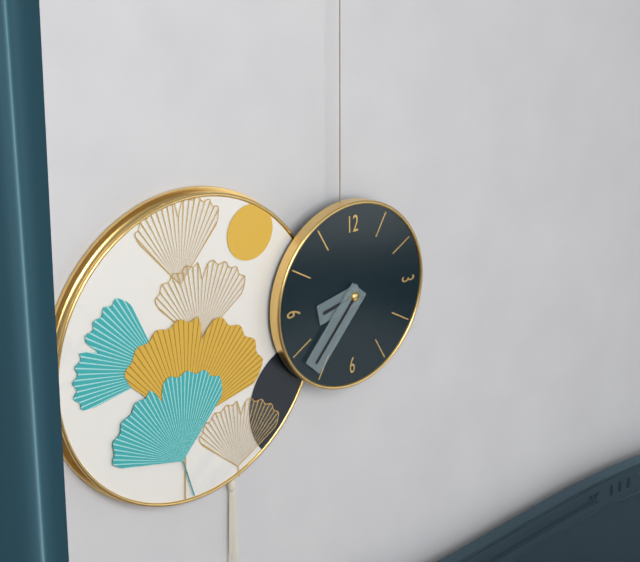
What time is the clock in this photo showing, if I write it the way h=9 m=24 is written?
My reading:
h=8 m=37
